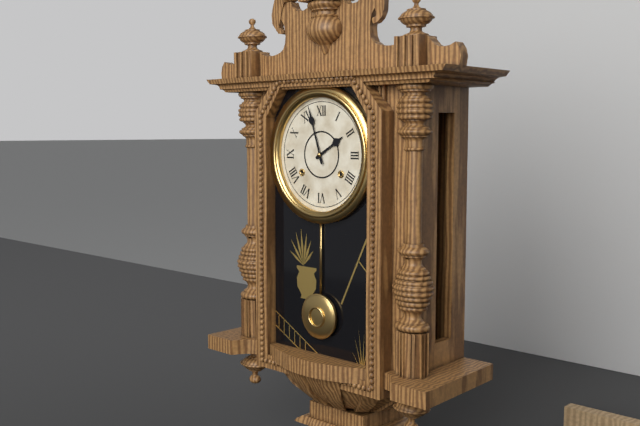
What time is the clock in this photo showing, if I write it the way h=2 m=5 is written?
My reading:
h=1 m=57
